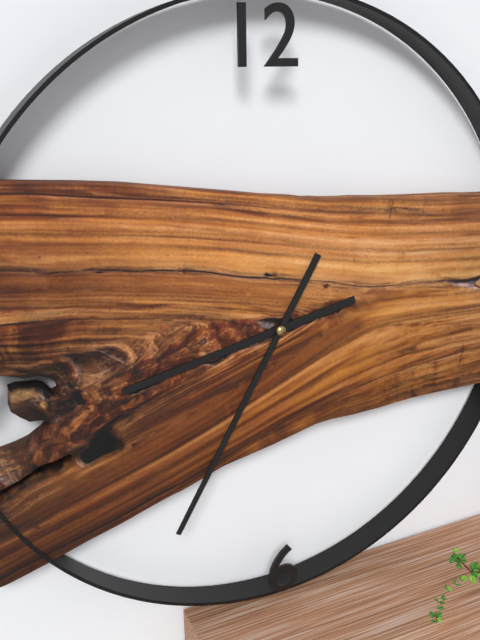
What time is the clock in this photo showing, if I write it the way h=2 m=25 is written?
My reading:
h=8 m=35
